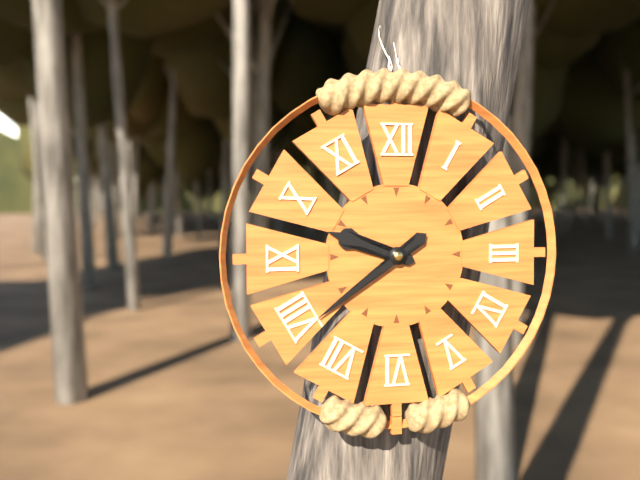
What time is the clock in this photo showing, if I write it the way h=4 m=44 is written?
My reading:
h=9 m=39
